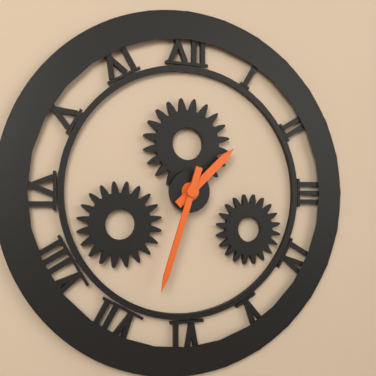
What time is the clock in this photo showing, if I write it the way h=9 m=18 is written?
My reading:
h=1 m=33
